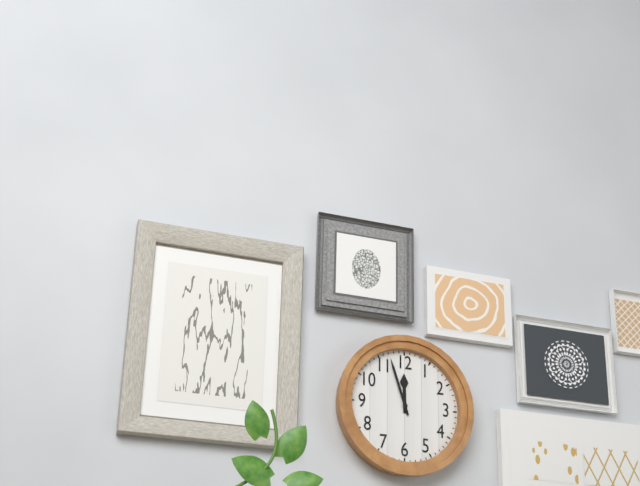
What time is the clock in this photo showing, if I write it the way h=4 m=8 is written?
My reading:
h=11 m=57
